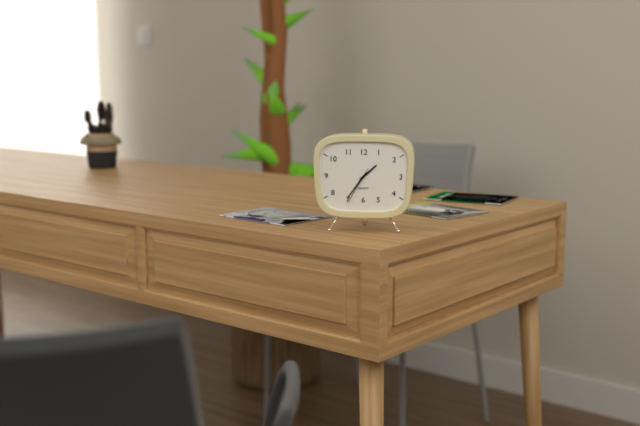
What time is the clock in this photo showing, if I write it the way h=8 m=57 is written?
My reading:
h=1 m=36
